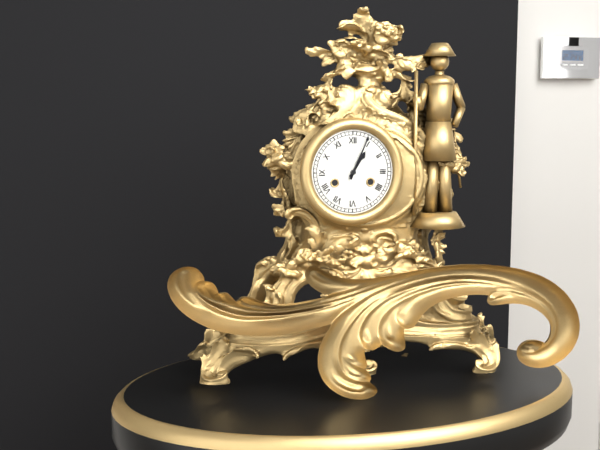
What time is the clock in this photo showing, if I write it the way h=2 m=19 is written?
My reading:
h=1 m=4
